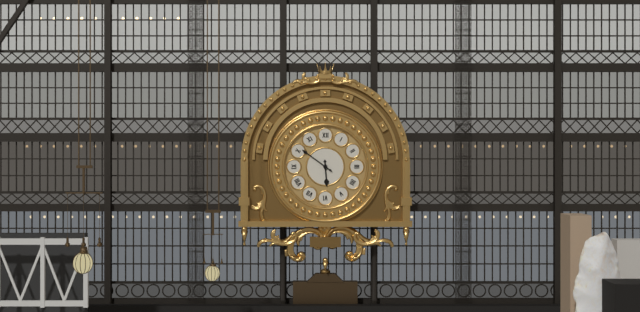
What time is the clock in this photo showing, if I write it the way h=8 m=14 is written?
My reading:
h=5 m=51
